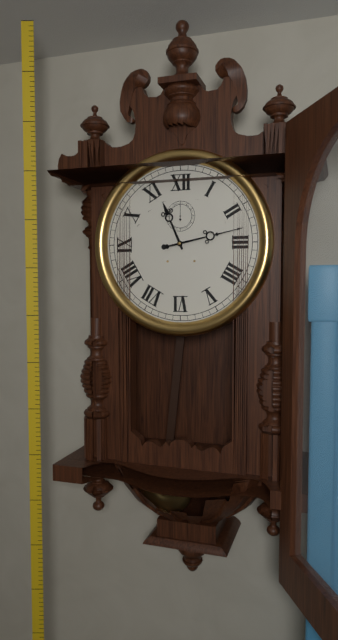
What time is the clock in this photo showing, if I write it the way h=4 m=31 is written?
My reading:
h=11 m=13
